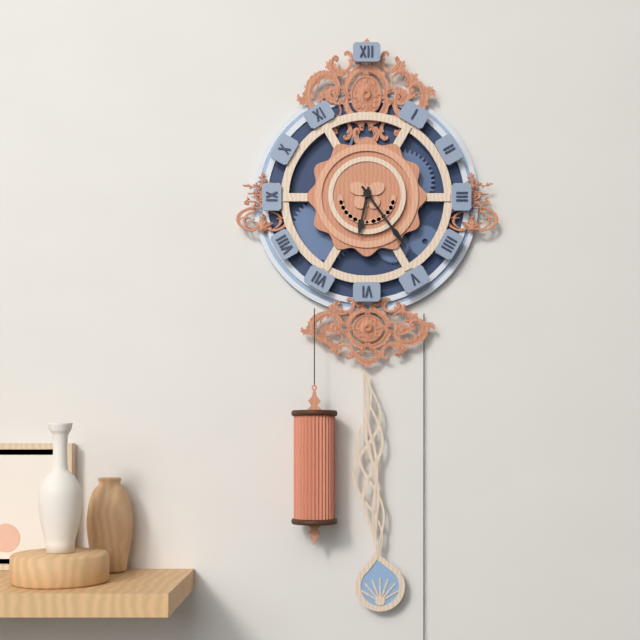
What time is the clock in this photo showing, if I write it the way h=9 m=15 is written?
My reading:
h=6 m=24
